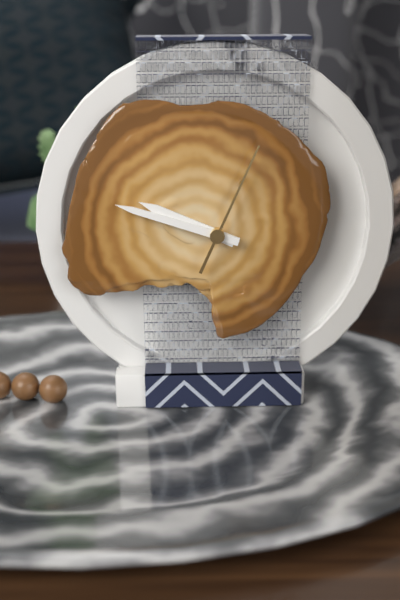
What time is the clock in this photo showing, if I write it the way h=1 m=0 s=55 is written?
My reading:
h=9 m=48 s=4
